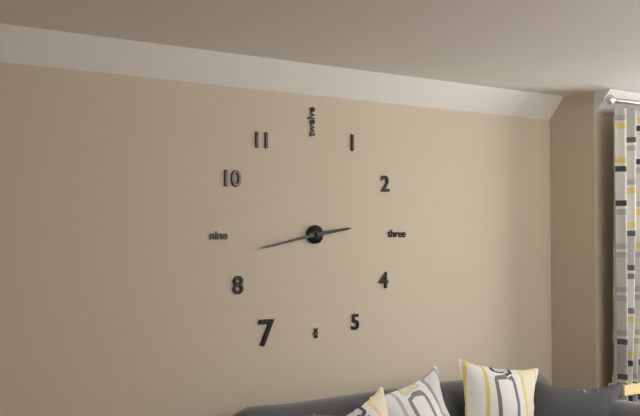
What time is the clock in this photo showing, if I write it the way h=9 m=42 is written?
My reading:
h=2 m=43
